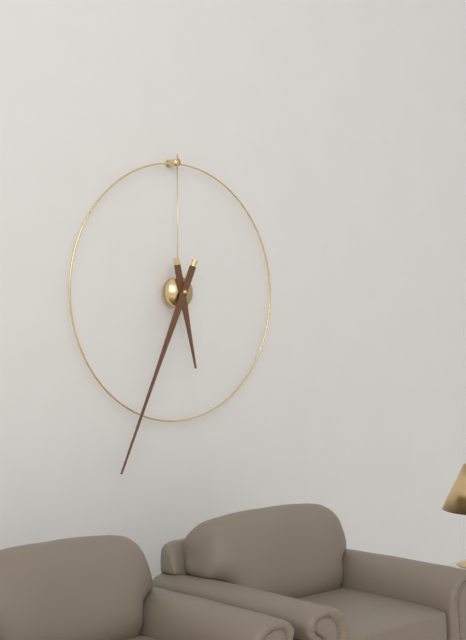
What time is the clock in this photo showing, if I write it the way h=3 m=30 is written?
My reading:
h=5 m=34
